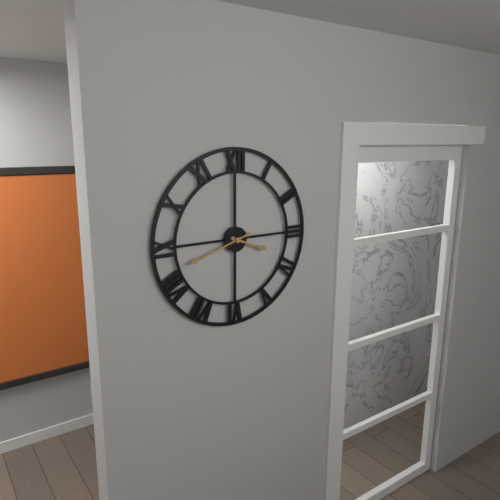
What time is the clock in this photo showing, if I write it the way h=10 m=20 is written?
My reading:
h=3 m=42
